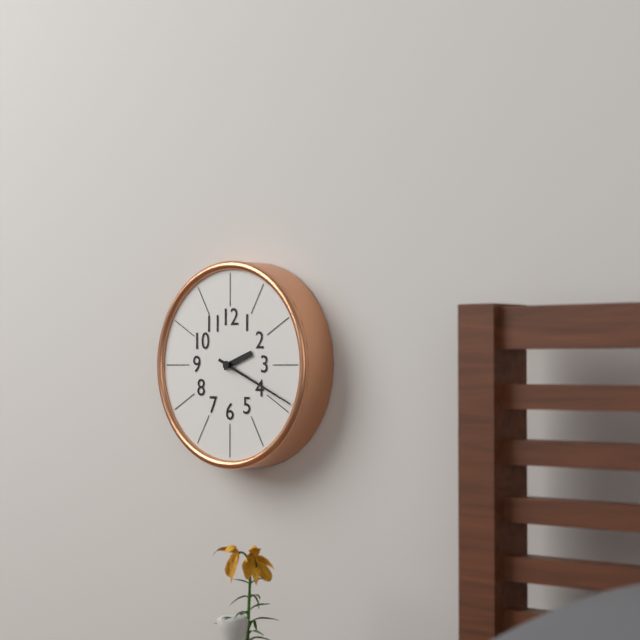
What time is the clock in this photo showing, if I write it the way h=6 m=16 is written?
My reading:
h=2 m=19
